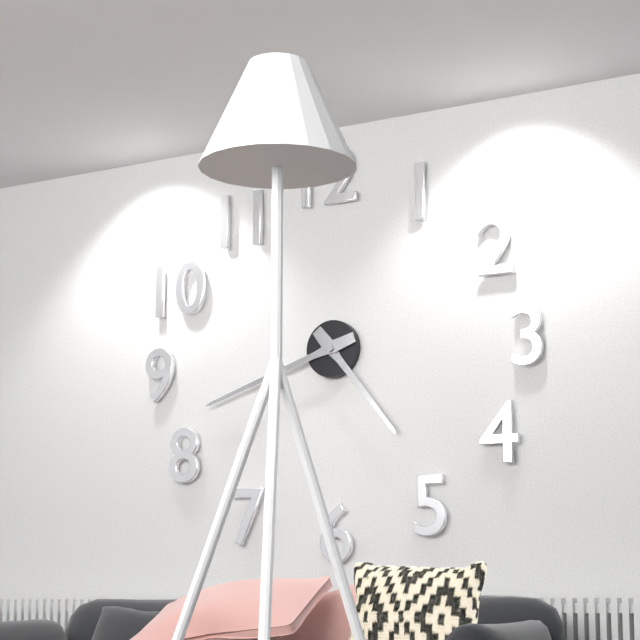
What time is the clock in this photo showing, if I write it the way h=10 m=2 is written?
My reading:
h=4 m=42
